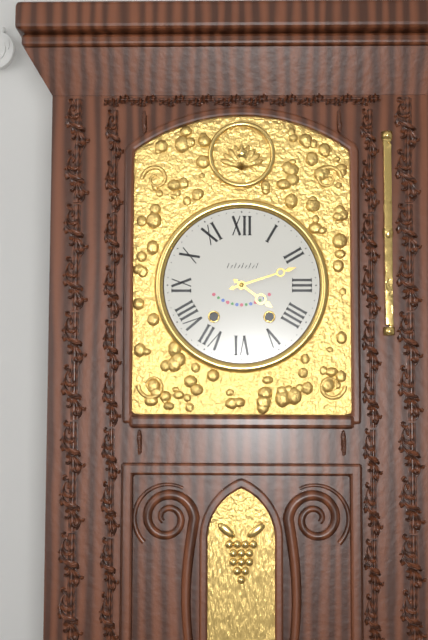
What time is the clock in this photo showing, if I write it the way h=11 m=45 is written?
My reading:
h=4 m=12
